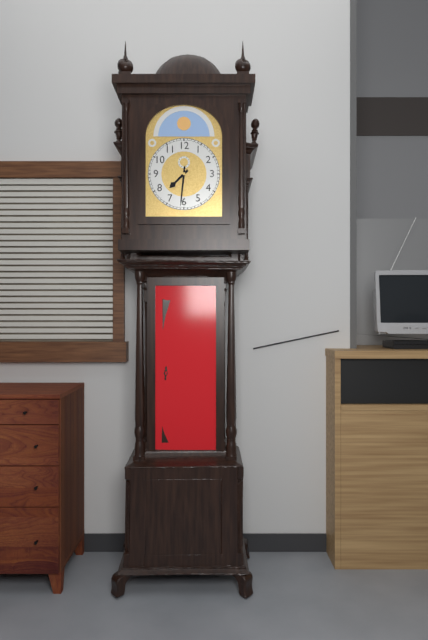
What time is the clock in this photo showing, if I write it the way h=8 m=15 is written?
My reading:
h=7 m=31
